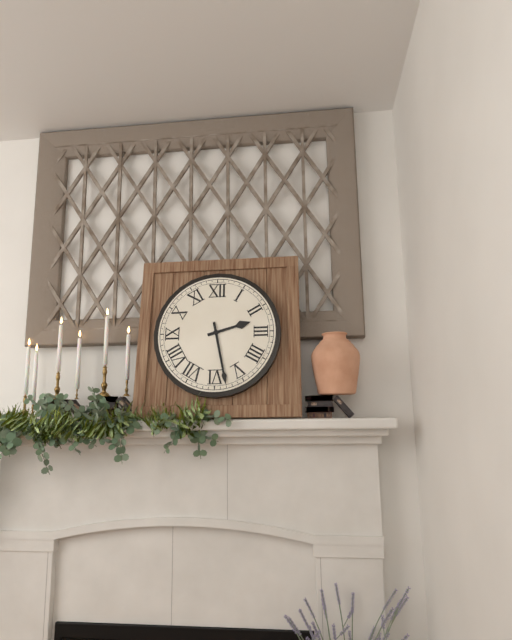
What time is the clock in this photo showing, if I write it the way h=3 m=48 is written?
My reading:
h=2 m=28
